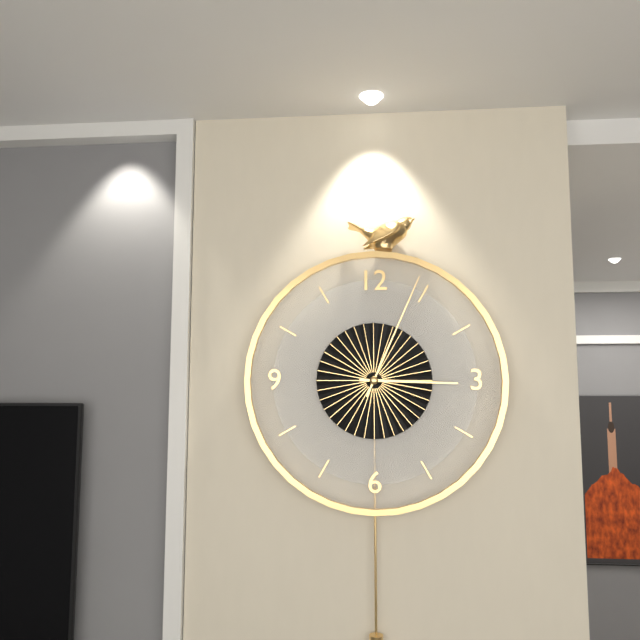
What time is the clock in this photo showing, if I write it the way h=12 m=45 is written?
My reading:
h=3 m=4
